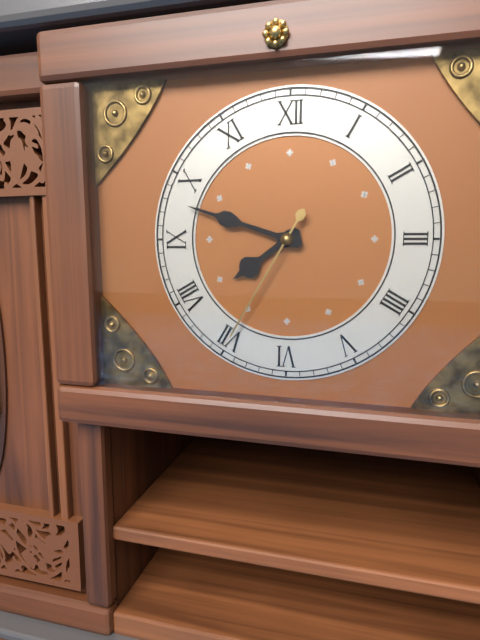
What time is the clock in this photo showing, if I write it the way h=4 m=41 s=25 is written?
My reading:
h=7 m=48 s=35
